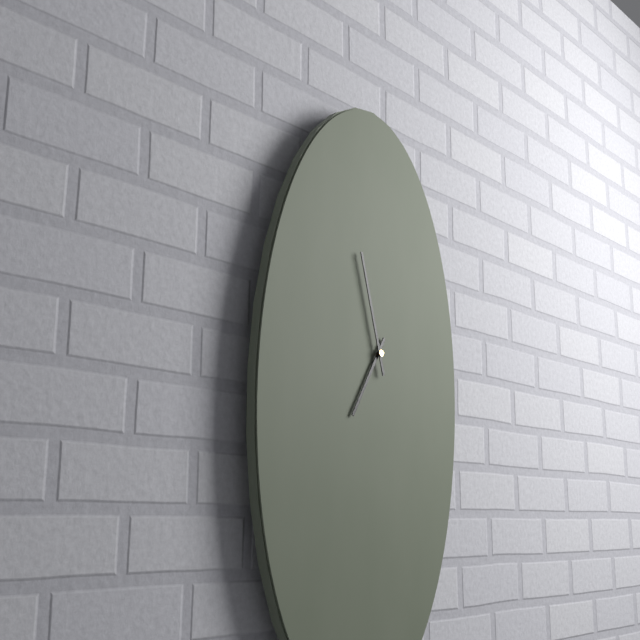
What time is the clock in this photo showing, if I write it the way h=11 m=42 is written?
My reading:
h=6 m=57
